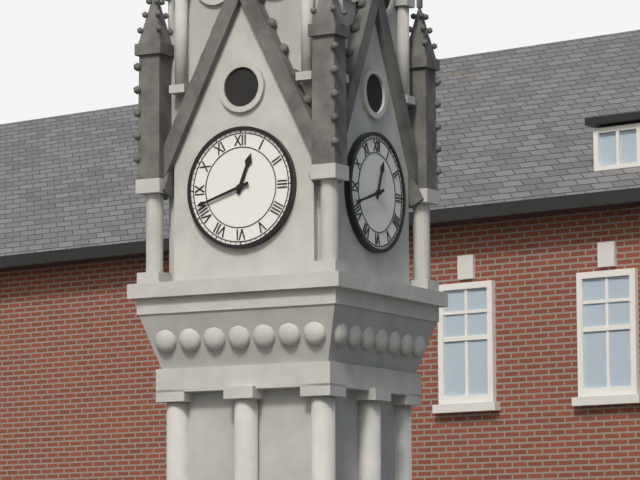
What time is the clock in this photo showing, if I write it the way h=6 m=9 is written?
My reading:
h=12 m=42
